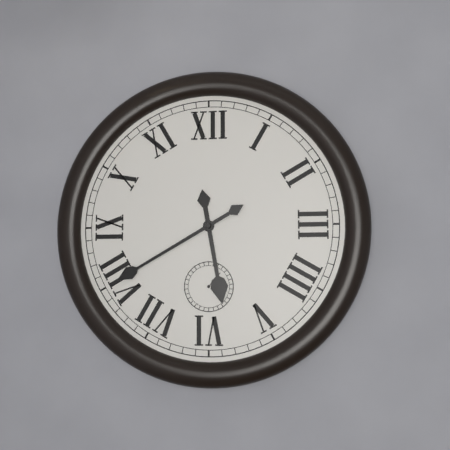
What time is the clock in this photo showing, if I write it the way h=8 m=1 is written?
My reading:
h=5 m=40
